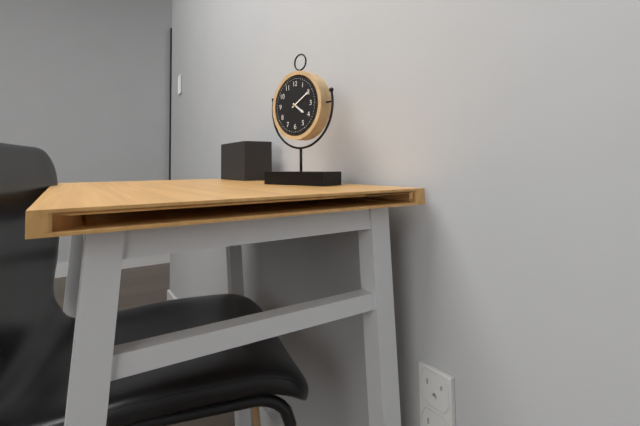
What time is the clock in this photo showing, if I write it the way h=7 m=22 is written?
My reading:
h=4 m=10
